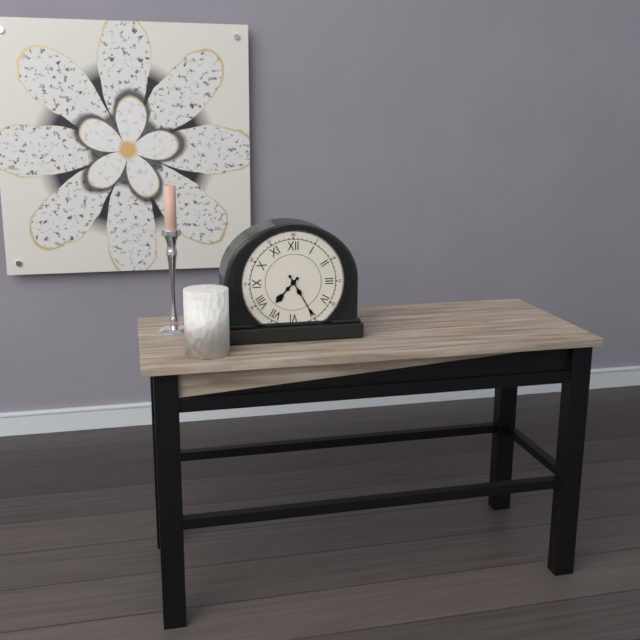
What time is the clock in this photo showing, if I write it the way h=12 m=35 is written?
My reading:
h=7 m=25
